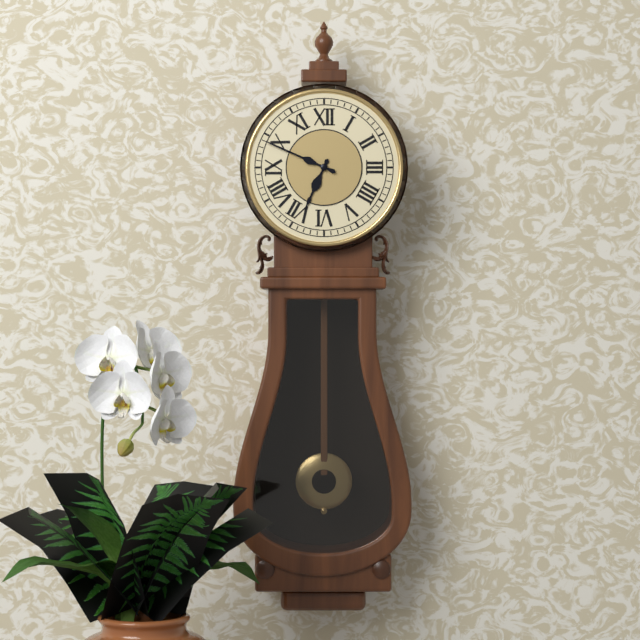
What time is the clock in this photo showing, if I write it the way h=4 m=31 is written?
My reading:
h=6 m=49
